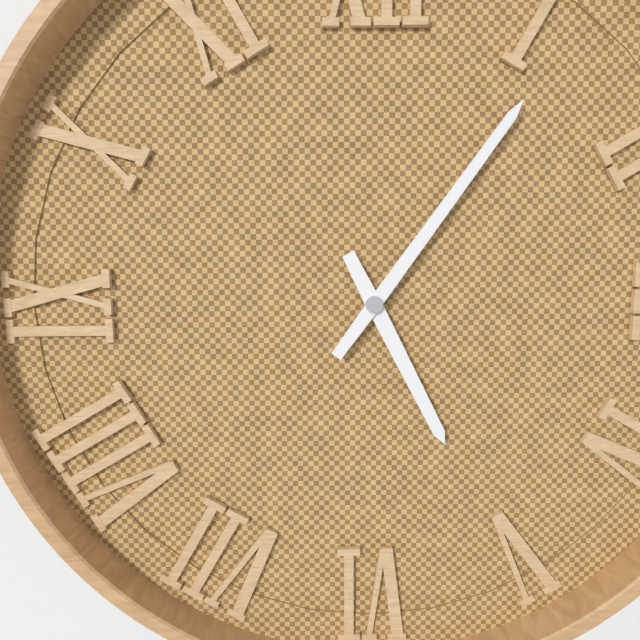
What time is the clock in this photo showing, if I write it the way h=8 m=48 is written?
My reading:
h=5 m=6
